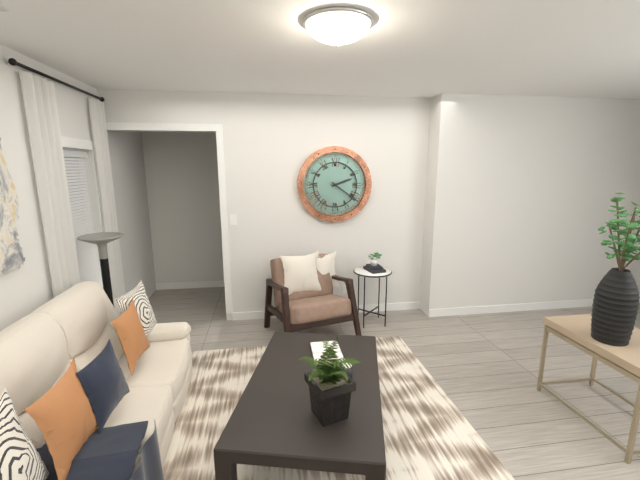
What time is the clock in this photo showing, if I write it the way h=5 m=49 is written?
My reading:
h=2 m=21
